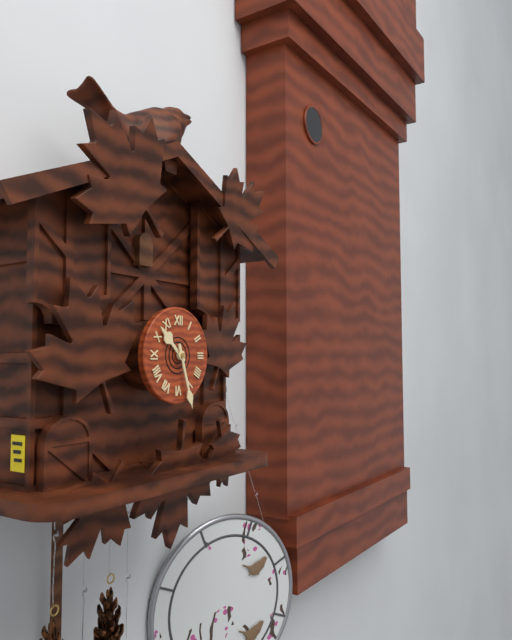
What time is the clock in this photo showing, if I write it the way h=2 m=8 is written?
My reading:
h=10 m=27
